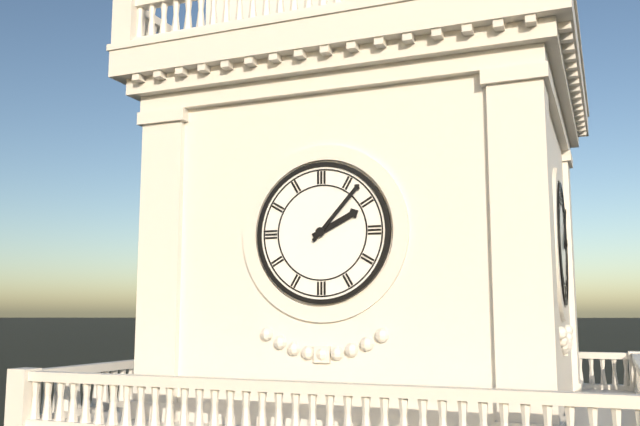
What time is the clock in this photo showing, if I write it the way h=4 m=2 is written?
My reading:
h=2 m=7
